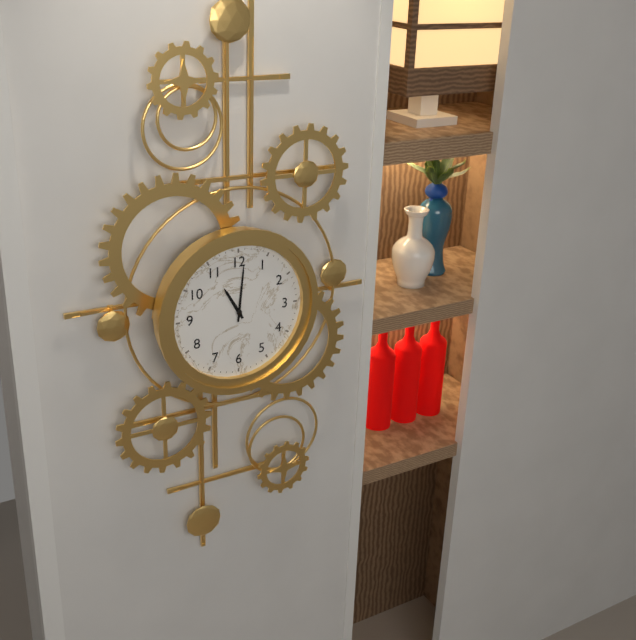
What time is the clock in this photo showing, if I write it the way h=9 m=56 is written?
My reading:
h=11 m=1
